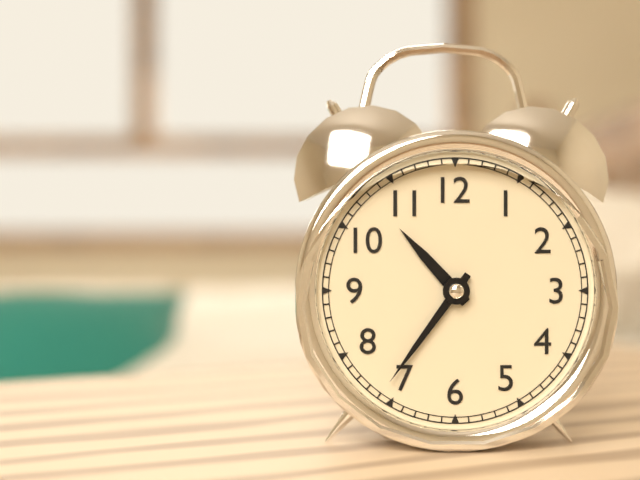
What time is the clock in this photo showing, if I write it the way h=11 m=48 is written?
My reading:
h=10 m=36
